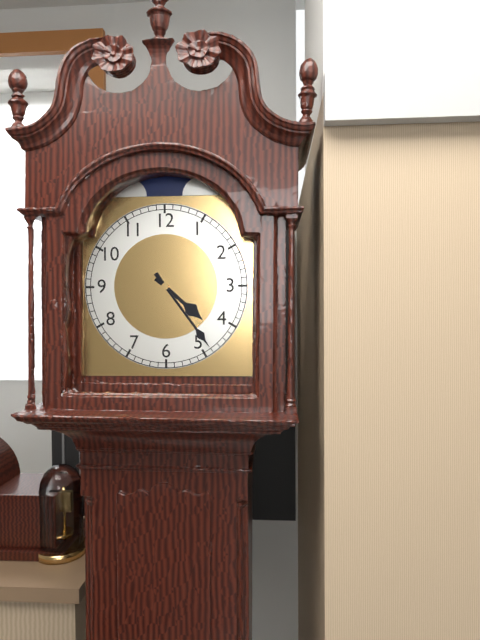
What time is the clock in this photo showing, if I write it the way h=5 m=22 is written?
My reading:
h=4 m=24
